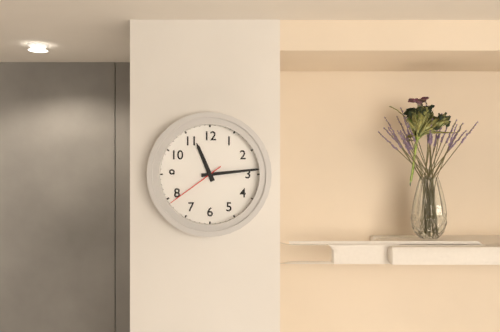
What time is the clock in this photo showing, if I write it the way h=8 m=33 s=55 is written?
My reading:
h=11 m=14 s=39
